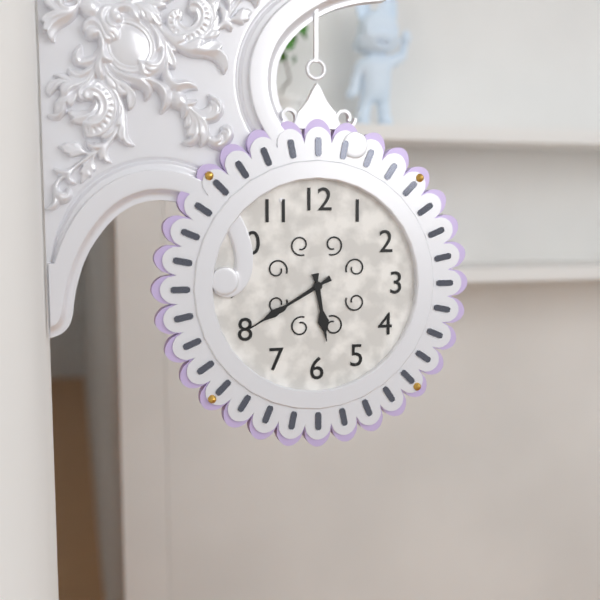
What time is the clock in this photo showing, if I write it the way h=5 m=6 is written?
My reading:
h=5 m=40
